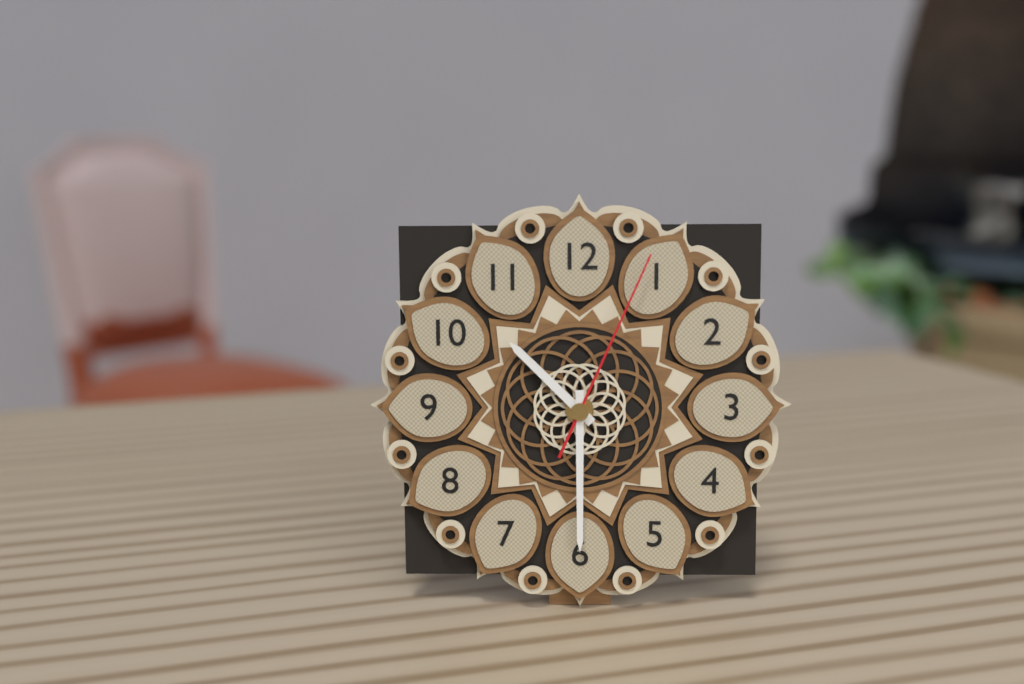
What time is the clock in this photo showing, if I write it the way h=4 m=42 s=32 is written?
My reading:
h=10 m=30 s=4
